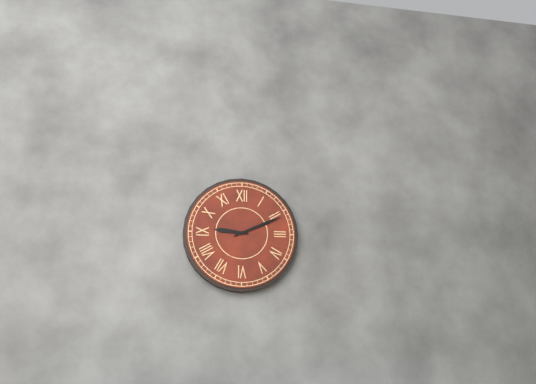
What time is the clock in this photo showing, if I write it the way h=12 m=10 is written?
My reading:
h=9 m=11
